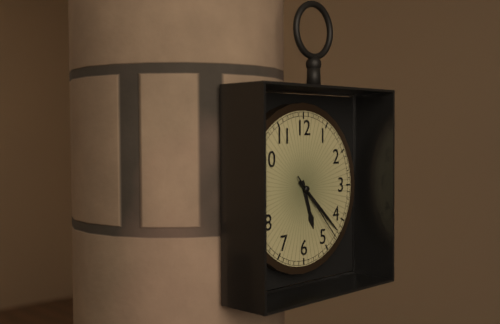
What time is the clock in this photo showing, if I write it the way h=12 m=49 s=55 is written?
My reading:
h=5 m=22 s=23
